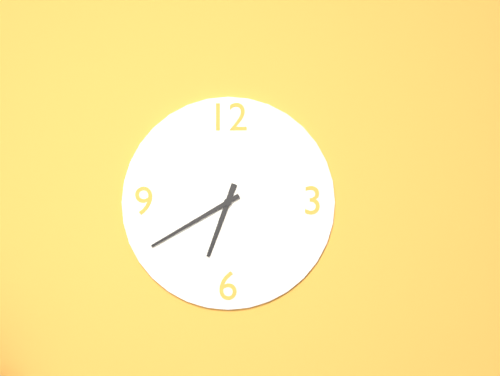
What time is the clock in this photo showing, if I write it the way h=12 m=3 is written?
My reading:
h=6 m=40
